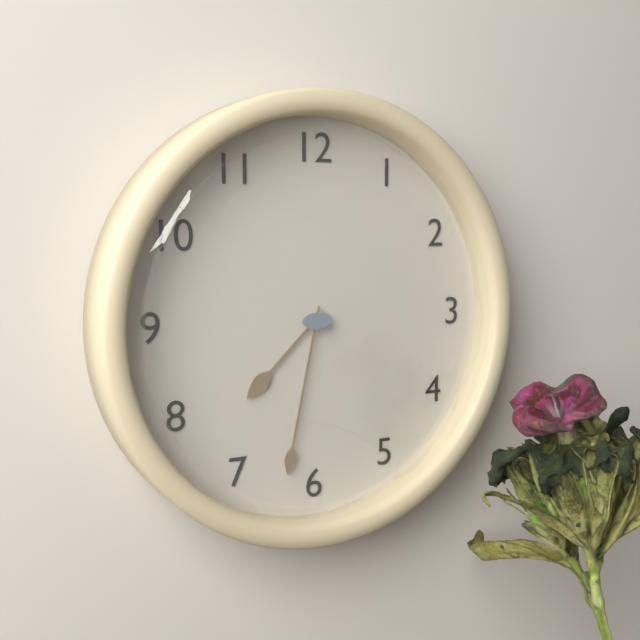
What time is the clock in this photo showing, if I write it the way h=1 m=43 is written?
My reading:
h=7 m=32
